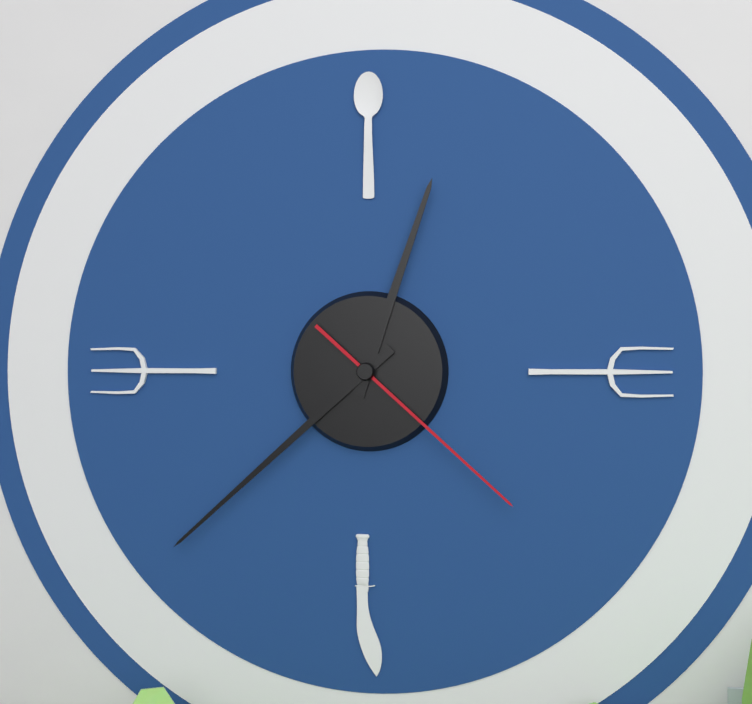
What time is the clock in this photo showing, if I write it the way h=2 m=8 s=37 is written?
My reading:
h=12 m=38 s=22
